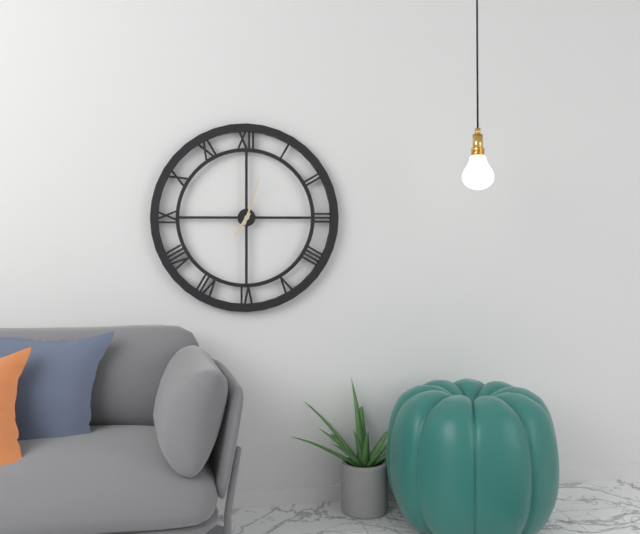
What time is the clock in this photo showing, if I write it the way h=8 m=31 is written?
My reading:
h=7 m=3
